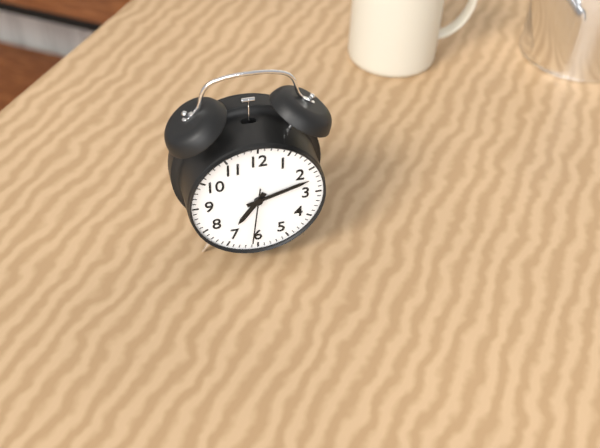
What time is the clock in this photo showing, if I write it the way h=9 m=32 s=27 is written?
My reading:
h=7 m=12 s=31
